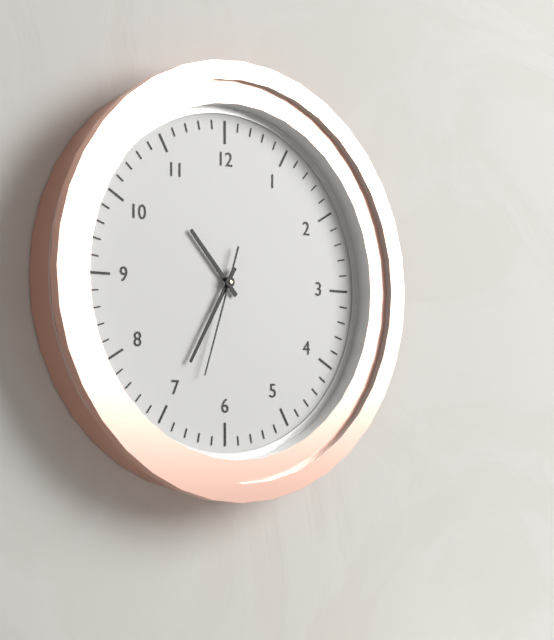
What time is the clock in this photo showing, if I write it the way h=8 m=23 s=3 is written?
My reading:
h=10 m=35 s=33
